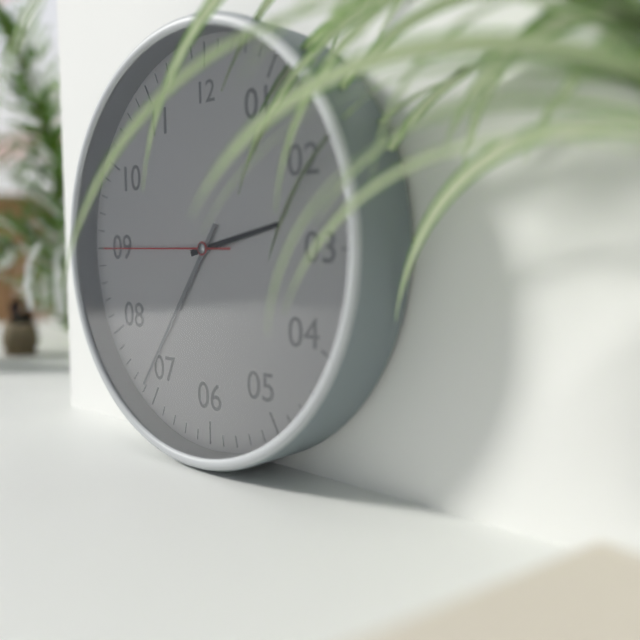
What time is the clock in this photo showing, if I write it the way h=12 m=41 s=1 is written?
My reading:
h=2 m=36 s=45
